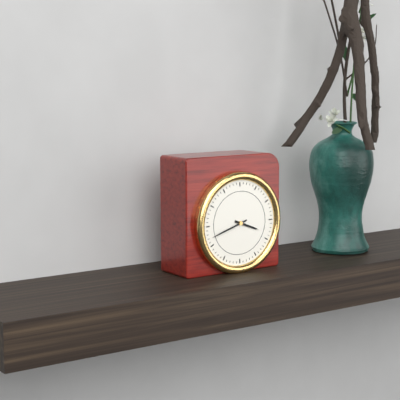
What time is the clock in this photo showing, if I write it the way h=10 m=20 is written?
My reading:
h=3 m=42
